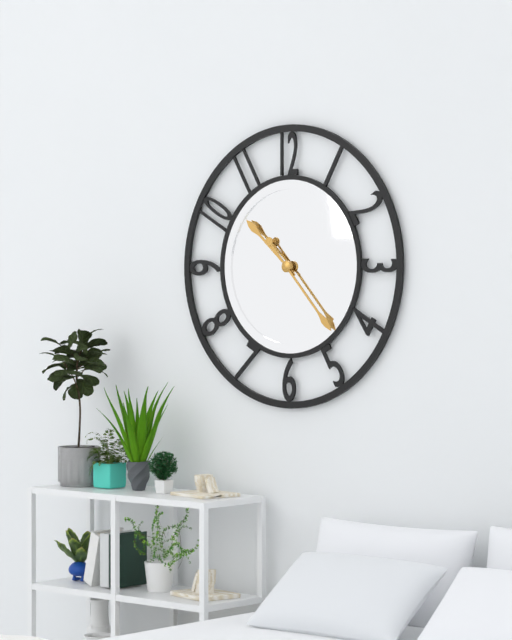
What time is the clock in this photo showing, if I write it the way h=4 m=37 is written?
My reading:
h=10 m=23
